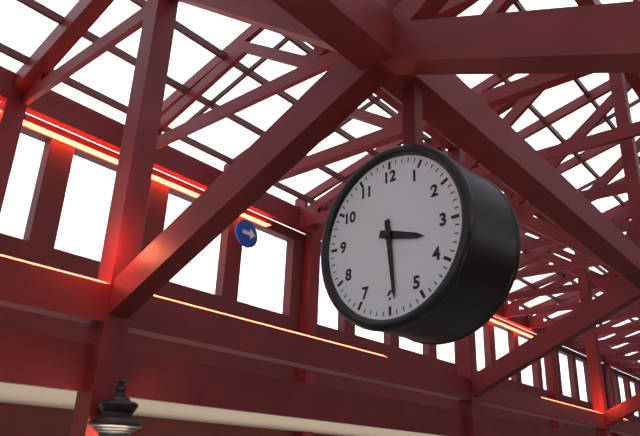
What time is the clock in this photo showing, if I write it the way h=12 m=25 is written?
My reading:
h=3 m=29
